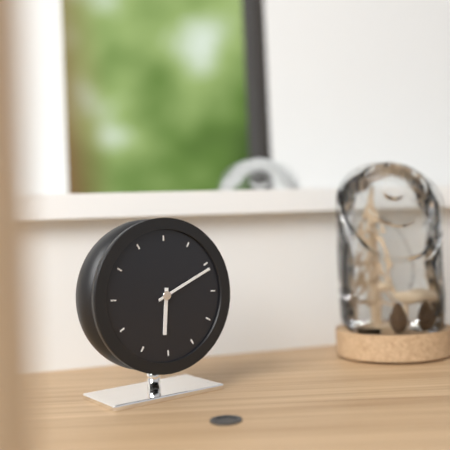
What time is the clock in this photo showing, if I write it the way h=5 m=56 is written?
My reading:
h=6 m=11
